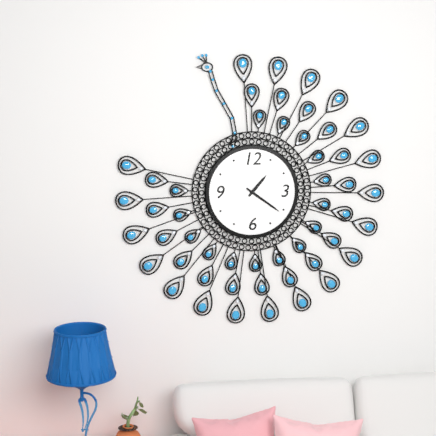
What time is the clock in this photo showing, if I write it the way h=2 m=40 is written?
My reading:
h=1 m=21
